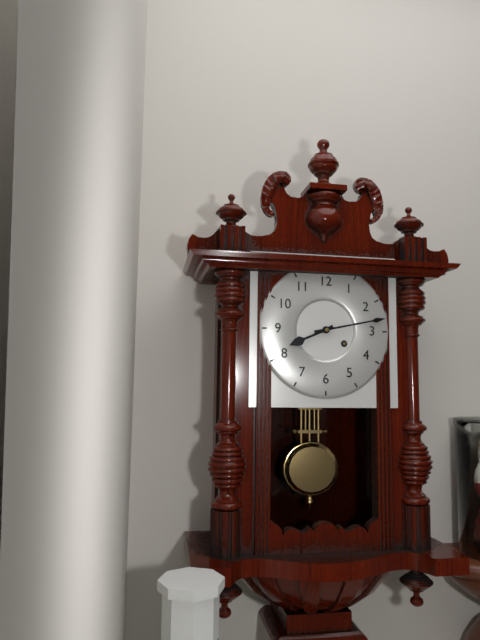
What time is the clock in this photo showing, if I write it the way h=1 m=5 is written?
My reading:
h=8 m=13
